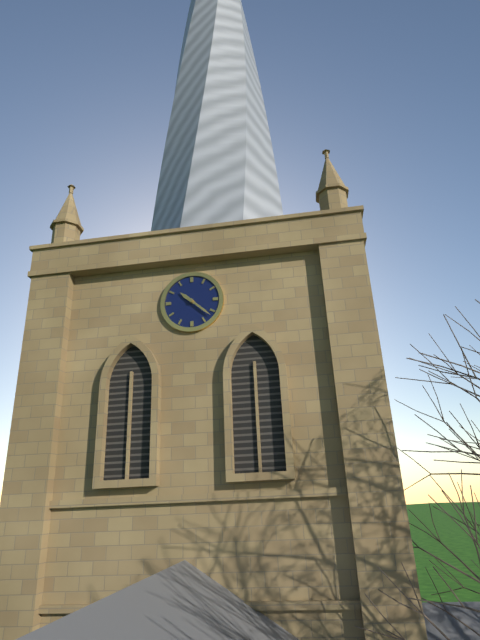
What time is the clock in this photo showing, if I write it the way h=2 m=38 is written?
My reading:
h=10 m=22
